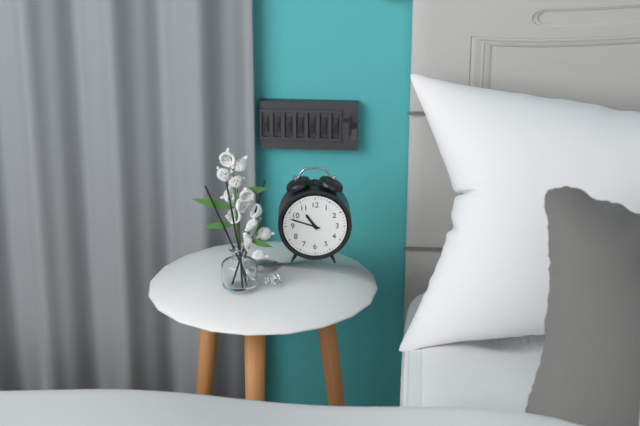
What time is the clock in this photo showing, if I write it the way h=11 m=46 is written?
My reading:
h=10 m=48
